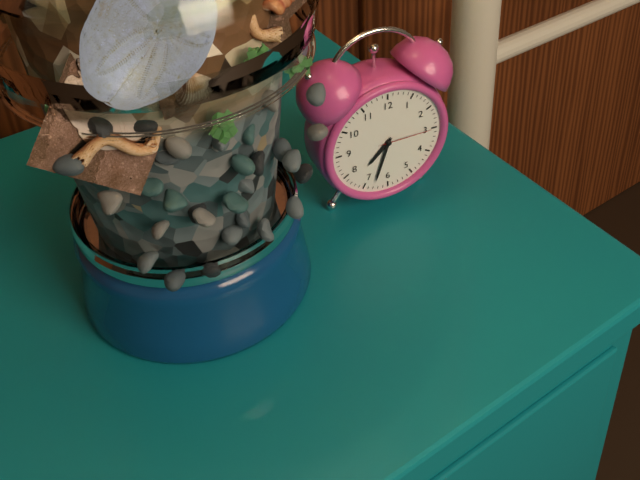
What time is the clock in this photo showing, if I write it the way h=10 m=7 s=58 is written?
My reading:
h=7 m=33 s=15
